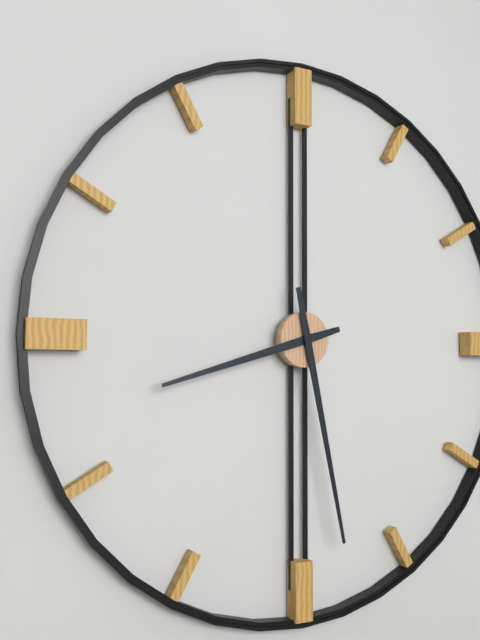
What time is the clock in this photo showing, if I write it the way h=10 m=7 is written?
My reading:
h=8 m=28
